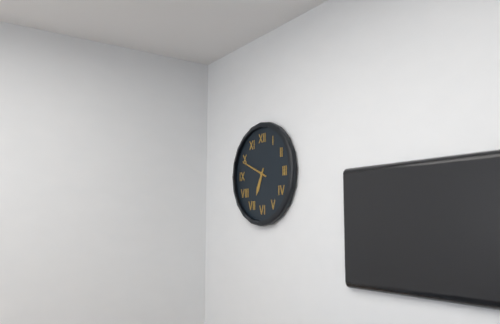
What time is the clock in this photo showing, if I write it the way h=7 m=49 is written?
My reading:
h=6 m=49
